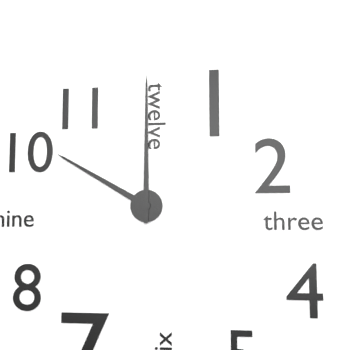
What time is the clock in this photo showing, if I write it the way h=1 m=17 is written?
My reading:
h=10 m=0
